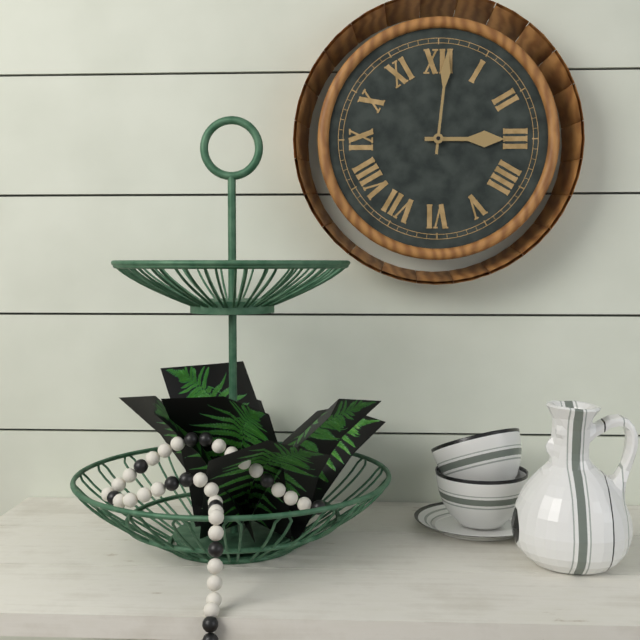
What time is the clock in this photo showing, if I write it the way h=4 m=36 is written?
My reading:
h=3 m=1
